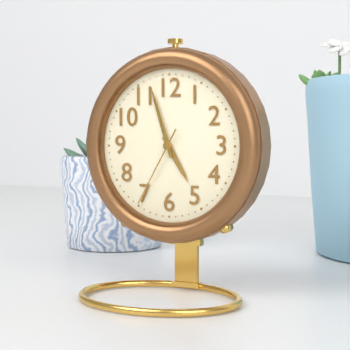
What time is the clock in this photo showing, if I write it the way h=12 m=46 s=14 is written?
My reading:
h=4 m=57 s=35
